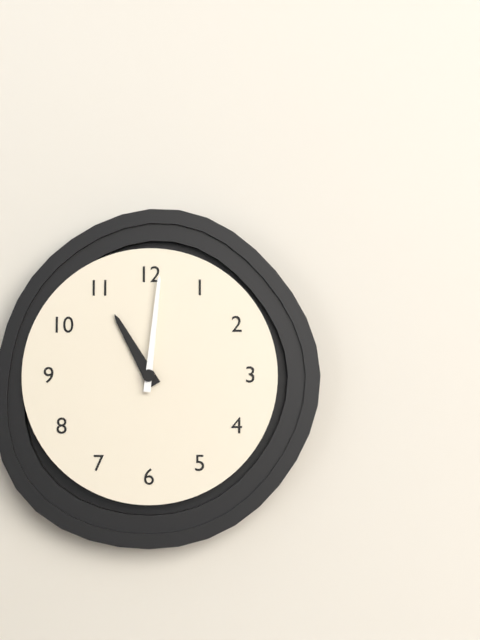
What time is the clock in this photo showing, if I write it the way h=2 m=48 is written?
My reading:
h=11 m=1
